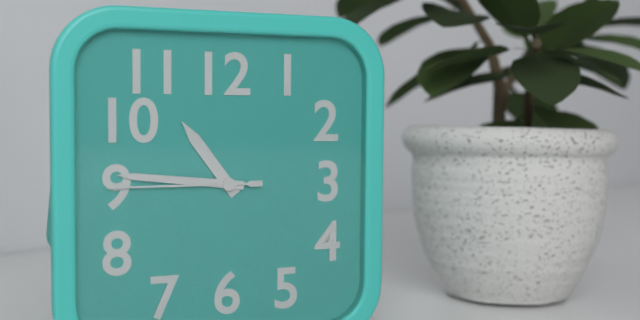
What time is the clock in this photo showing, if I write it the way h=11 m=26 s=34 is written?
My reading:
h=10 m=46 s=45
